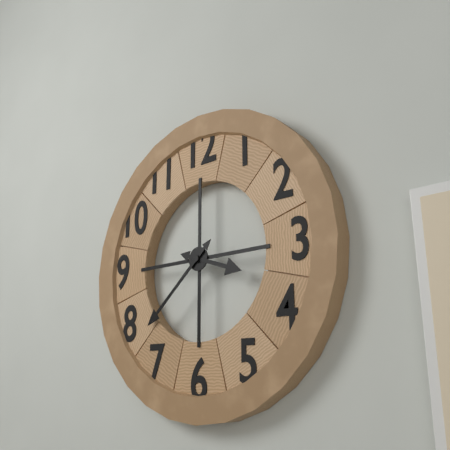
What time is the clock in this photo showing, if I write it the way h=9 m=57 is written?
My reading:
h=3 m=38
